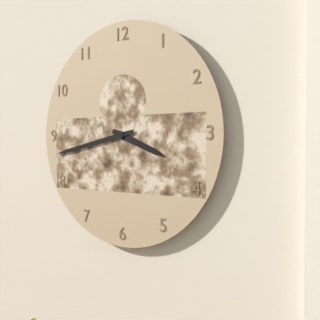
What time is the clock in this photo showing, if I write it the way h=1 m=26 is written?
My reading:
h=3 m=43
